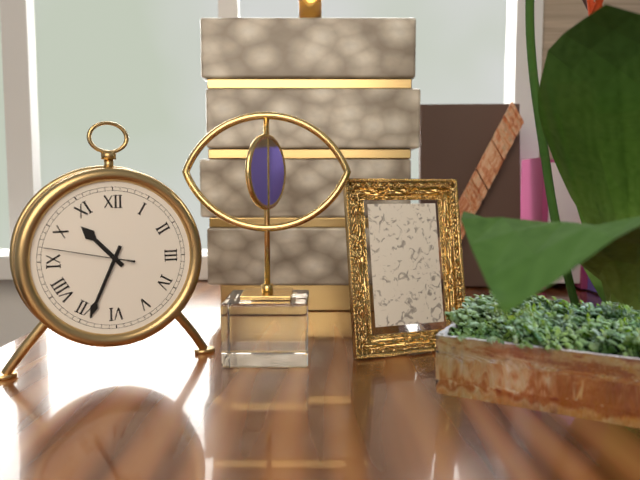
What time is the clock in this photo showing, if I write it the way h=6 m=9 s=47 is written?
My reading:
h=10 m=34 s=47
